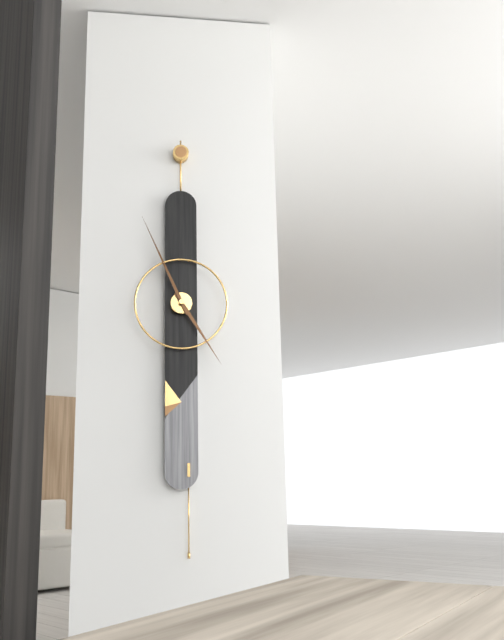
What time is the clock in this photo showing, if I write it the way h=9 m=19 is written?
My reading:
h=4 m=56
